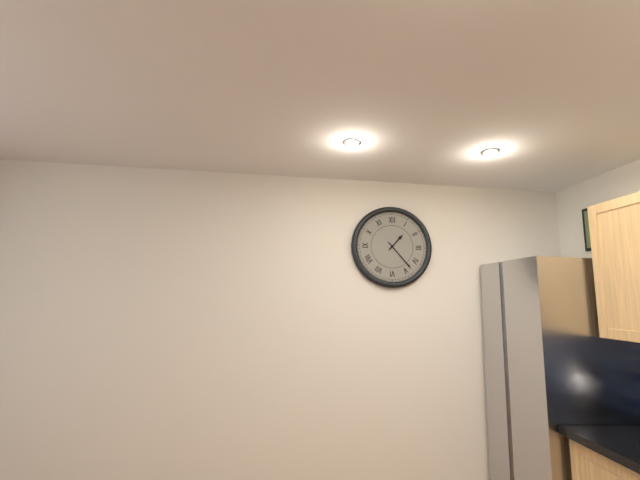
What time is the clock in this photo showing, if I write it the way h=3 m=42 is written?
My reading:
h=1 m=23
